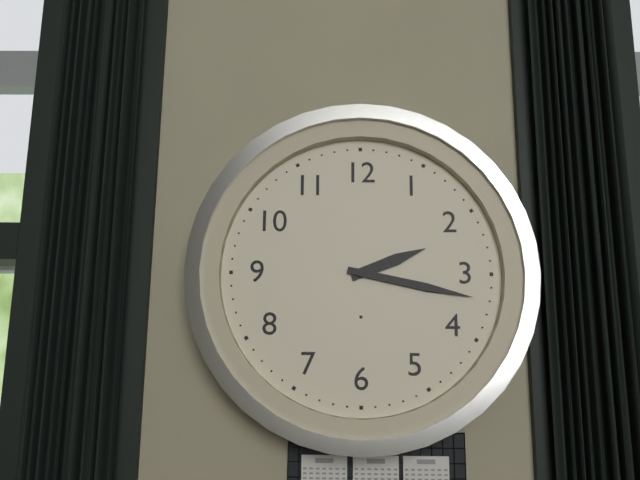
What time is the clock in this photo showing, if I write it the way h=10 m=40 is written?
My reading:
h=2 m=17
